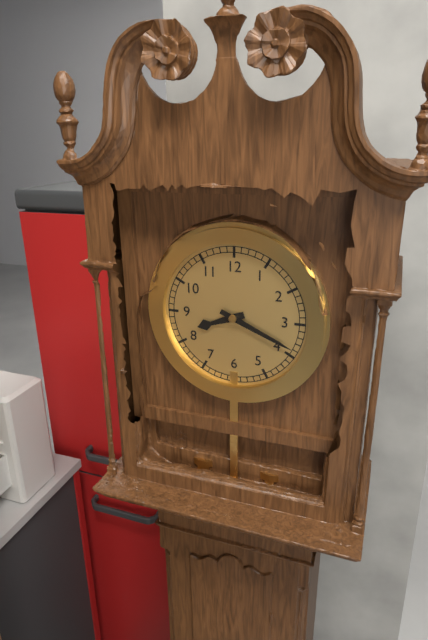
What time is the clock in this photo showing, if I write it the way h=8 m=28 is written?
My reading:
h=8 m=19
